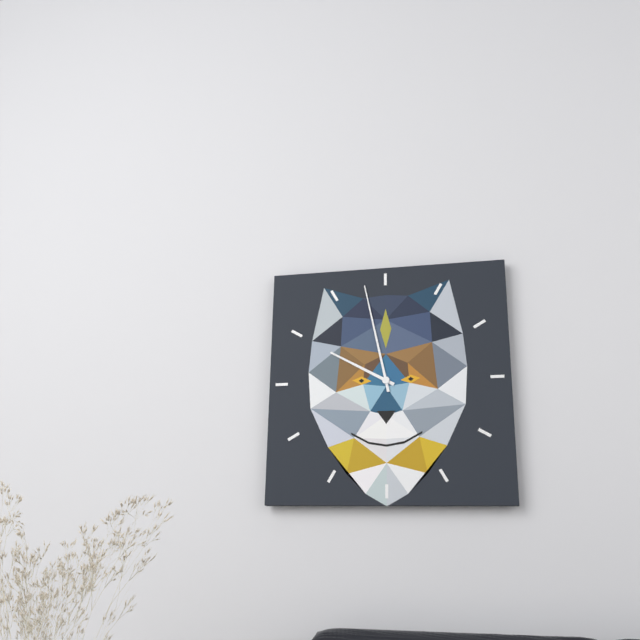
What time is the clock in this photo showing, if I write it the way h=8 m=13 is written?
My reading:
h=9 m=58
